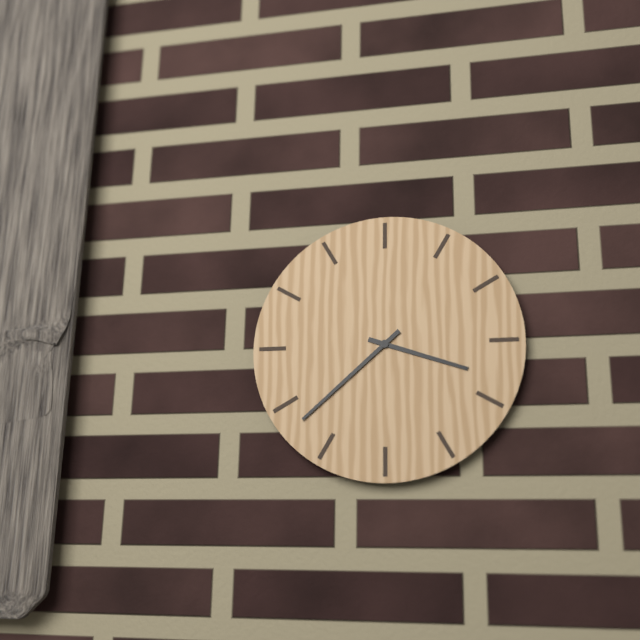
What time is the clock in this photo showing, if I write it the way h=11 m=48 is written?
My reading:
h=3 m=38
